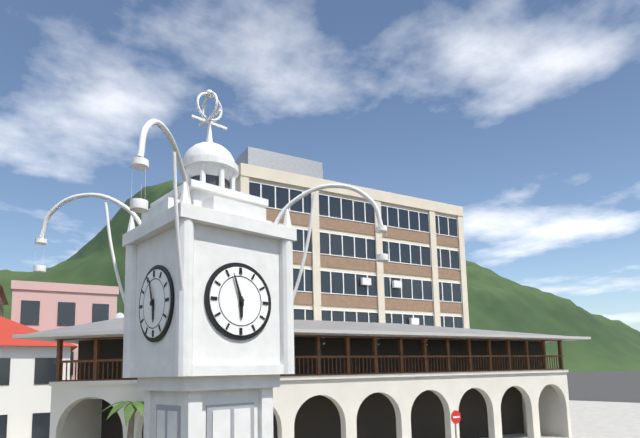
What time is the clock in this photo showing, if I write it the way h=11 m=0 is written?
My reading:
h=5 m=57
